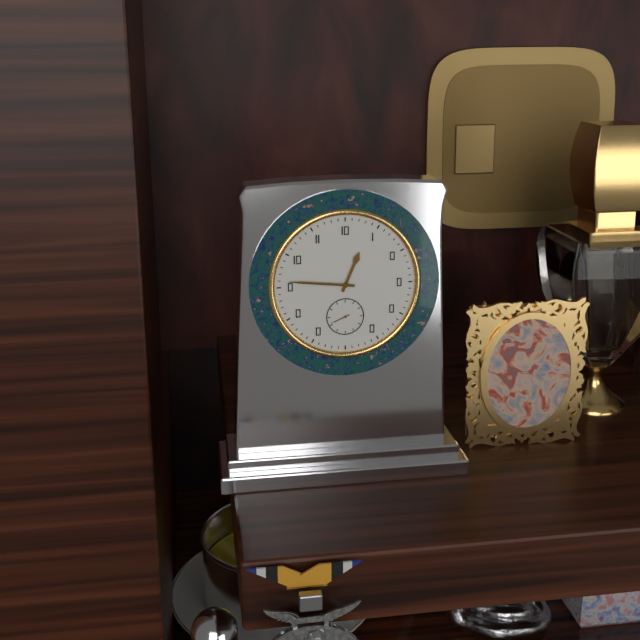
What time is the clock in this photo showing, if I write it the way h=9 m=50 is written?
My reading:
h=12 m=46
